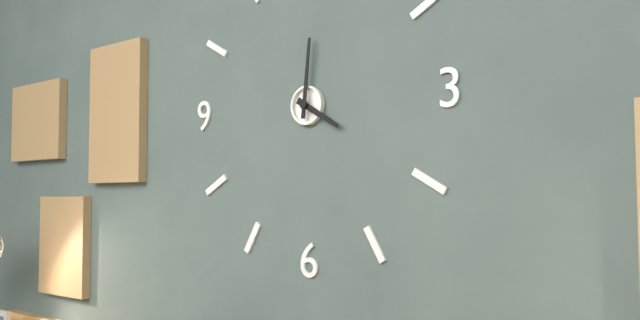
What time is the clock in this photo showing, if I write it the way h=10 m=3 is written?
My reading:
h=4 m=1
